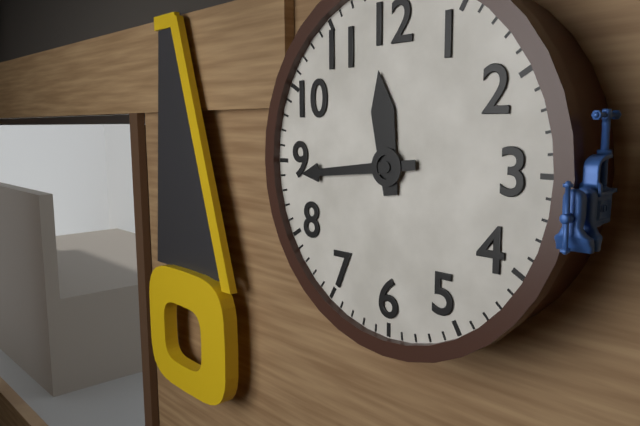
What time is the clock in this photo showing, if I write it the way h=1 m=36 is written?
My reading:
h=11 m=44
